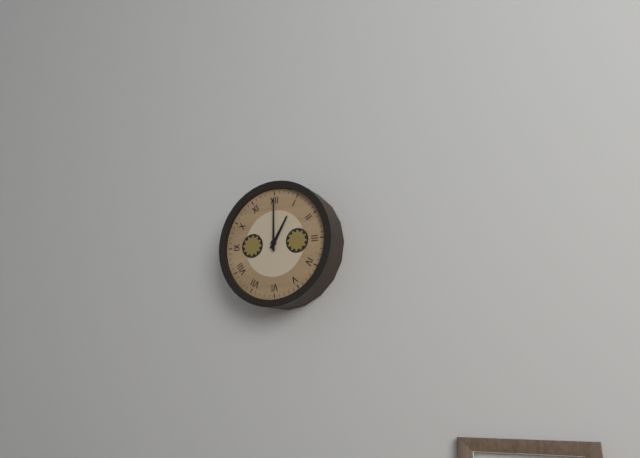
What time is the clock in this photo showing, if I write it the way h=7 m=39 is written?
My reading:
h=1 m=0
